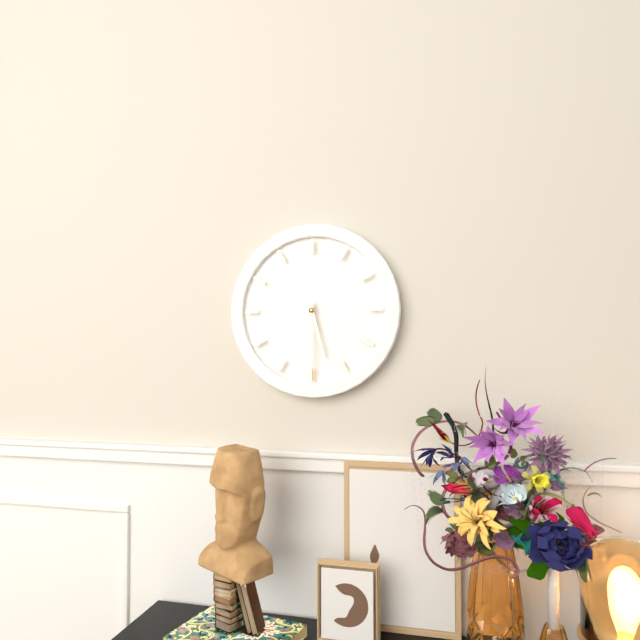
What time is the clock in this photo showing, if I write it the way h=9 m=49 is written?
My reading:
h=5 m=30
